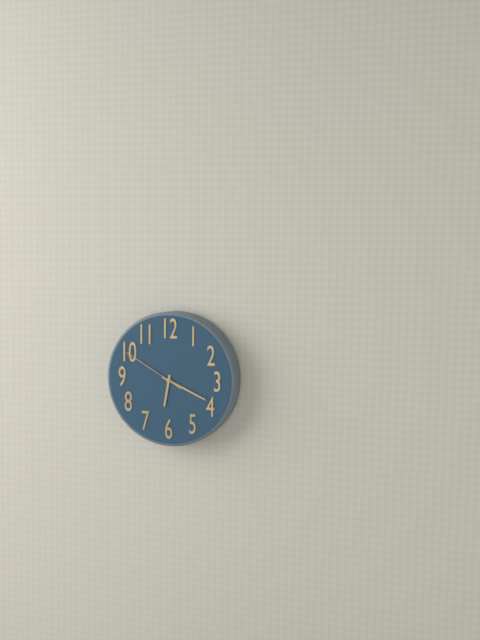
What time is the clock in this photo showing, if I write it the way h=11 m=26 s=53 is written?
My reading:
h=6 m=19 s=50
